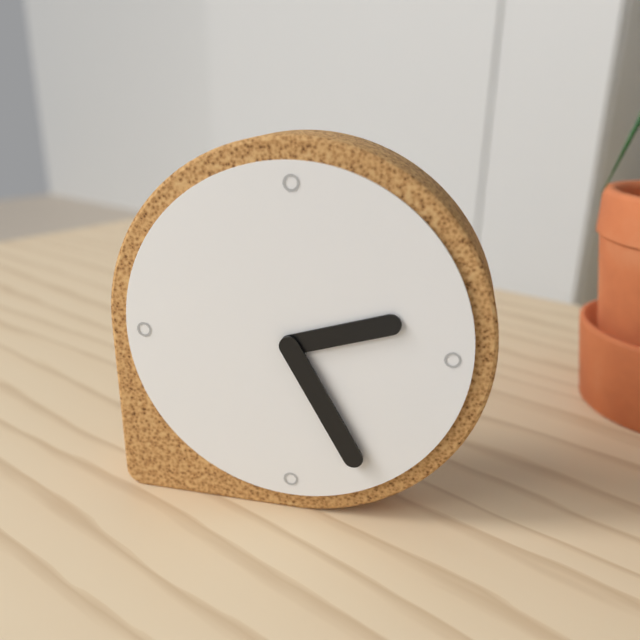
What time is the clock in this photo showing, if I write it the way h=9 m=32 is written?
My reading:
h=2 m=25
